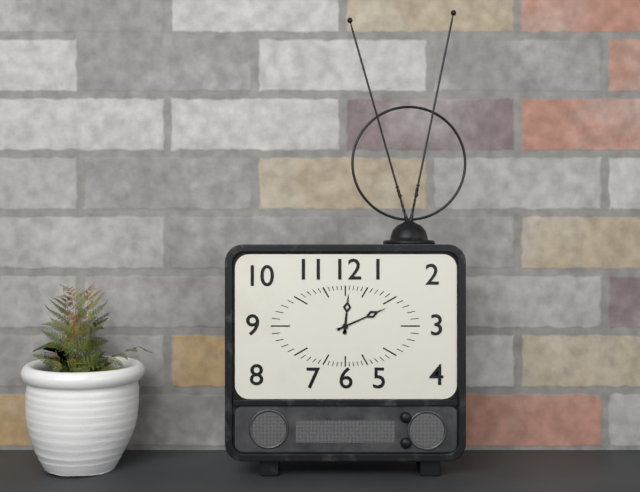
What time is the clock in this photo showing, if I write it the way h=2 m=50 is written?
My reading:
h=12 m=11
